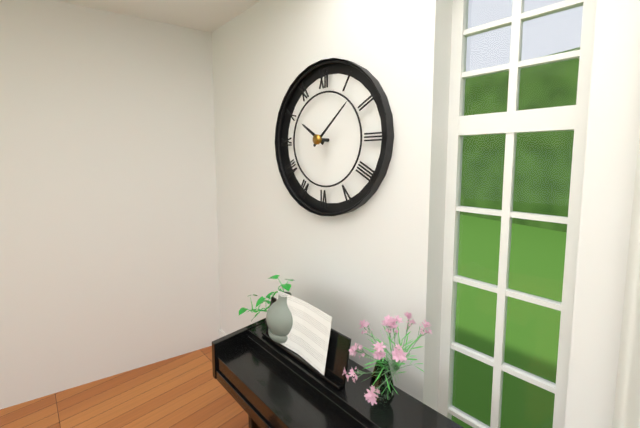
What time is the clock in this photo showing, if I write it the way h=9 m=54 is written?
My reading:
h=10 m=8
